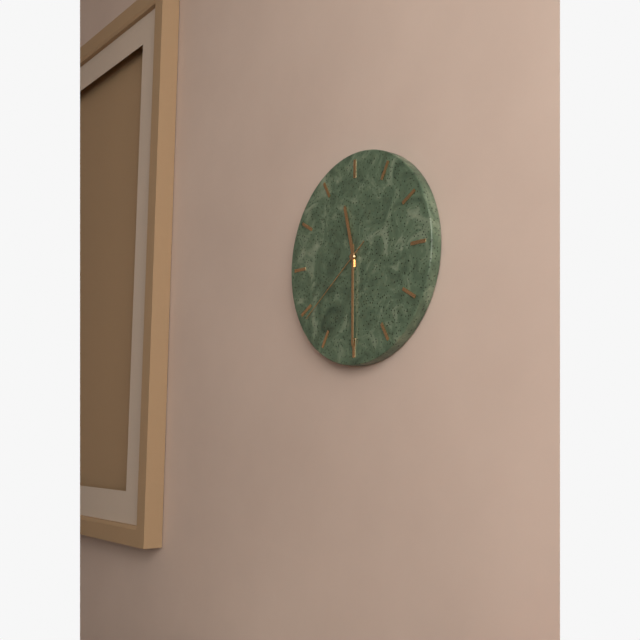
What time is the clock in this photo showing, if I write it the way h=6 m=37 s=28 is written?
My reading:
h=11 m=30 s=39
